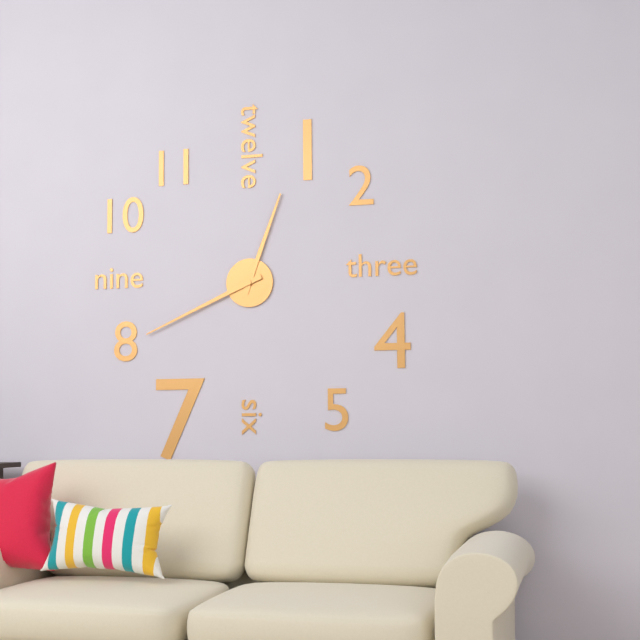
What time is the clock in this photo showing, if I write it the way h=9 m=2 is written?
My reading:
h=12 m=41
